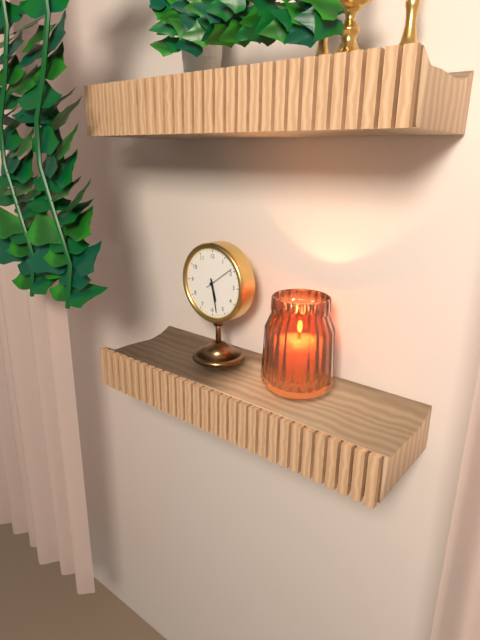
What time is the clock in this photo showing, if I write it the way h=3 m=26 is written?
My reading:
h=5 m=28
